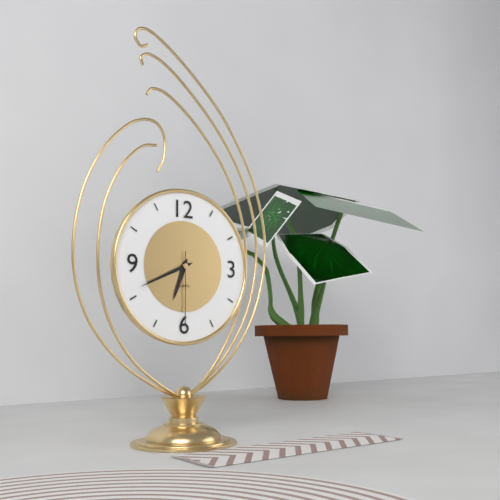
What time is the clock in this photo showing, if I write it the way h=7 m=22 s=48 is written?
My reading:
h=6 m=41 s=30
